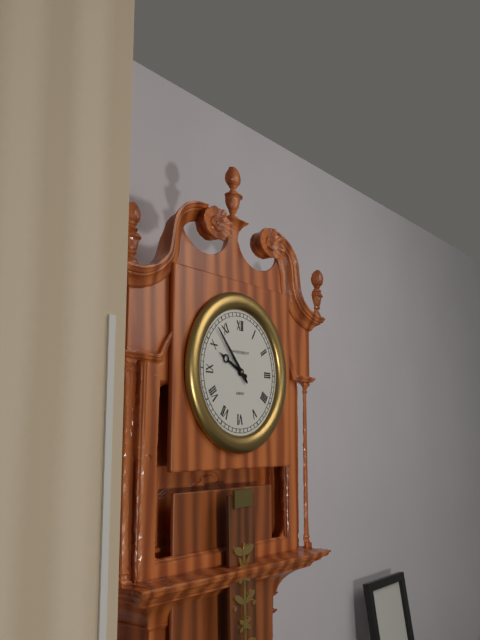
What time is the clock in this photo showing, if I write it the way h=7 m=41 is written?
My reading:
h=9 m=53
